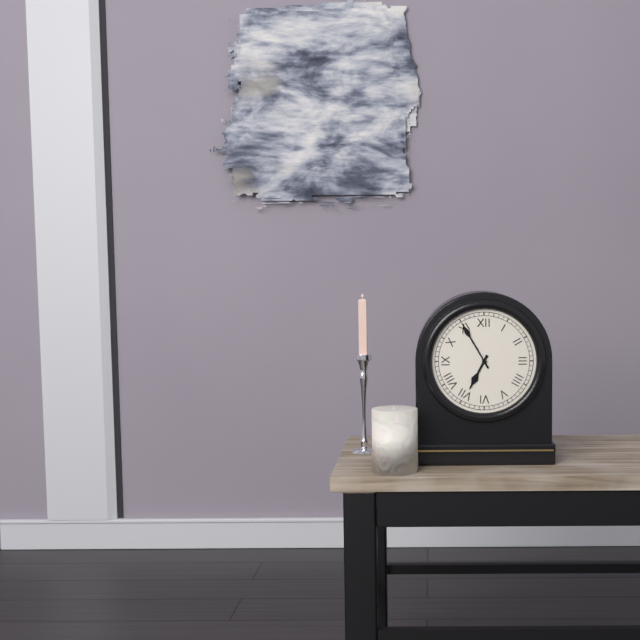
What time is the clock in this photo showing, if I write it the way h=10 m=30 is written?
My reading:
h=6 m=55
